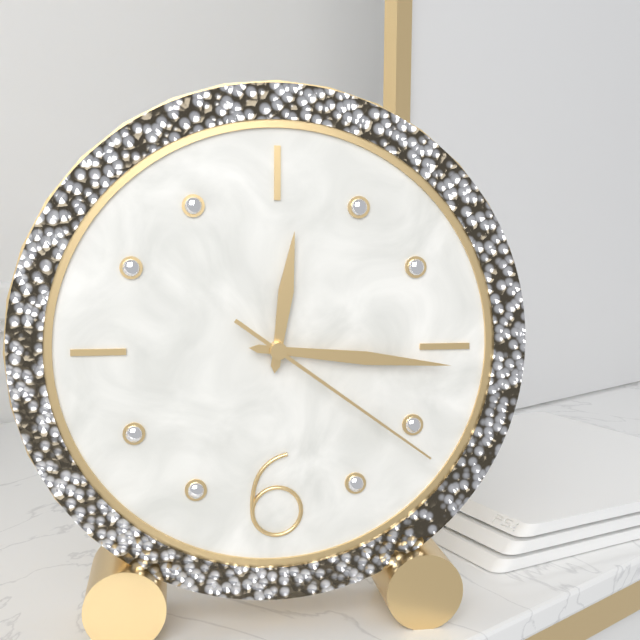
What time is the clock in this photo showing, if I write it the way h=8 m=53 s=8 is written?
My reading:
h=12 m=16 s=21
